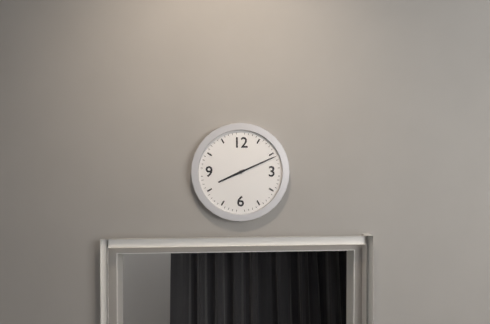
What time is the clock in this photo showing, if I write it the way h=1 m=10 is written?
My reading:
h=8 m=11
